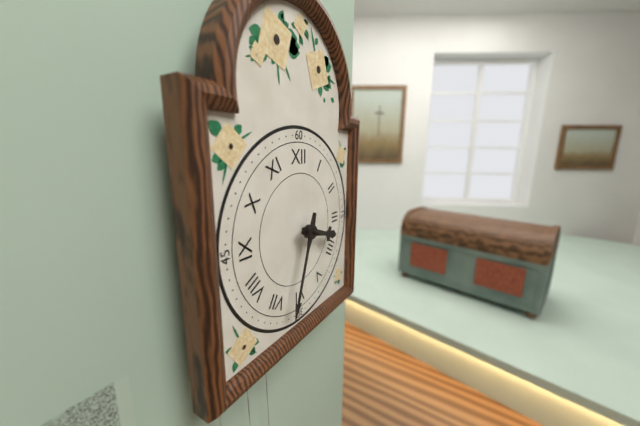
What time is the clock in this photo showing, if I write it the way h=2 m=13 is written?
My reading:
h=3 m=33
